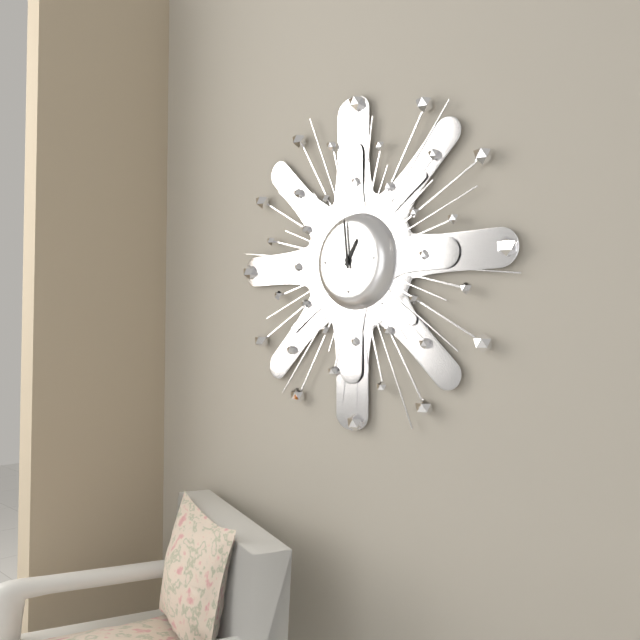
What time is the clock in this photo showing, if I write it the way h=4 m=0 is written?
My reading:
h=12 m=59
